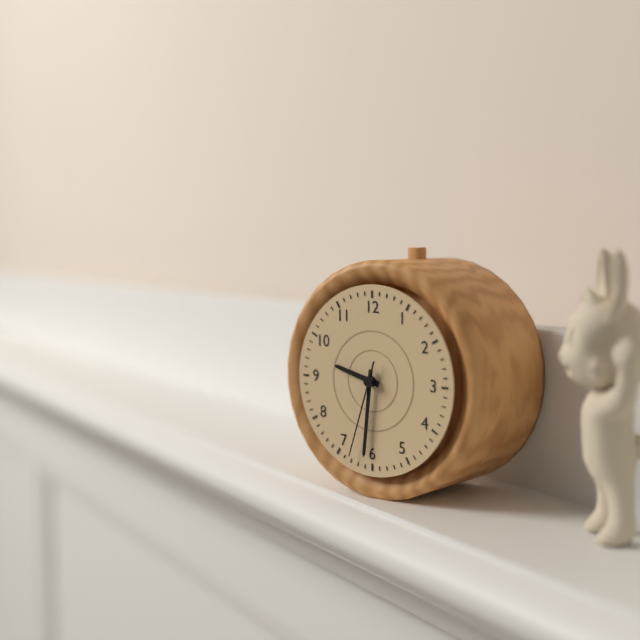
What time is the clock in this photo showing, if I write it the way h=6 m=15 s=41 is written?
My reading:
h=9 m=31 s=33
